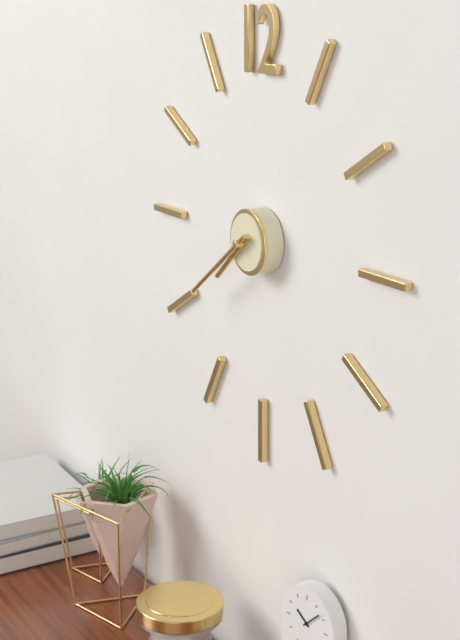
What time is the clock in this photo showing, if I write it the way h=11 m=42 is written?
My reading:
h=7 m=39
